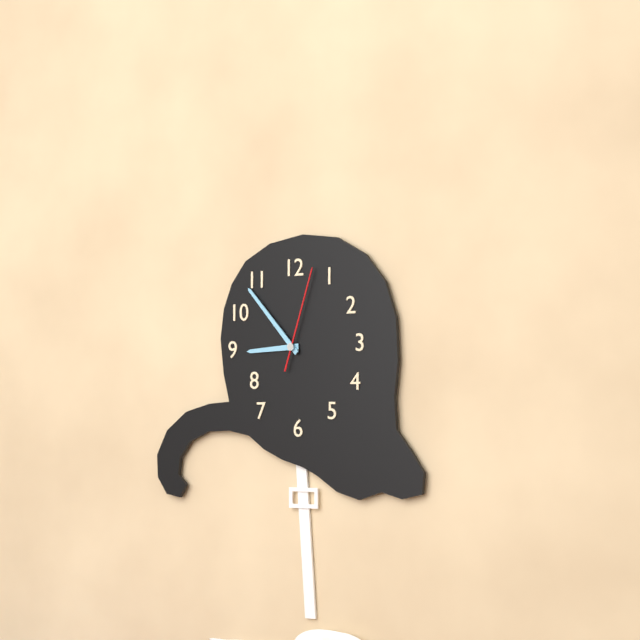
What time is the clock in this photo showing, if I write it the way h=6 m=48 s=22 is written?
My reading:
h=8 m=53 s=3
